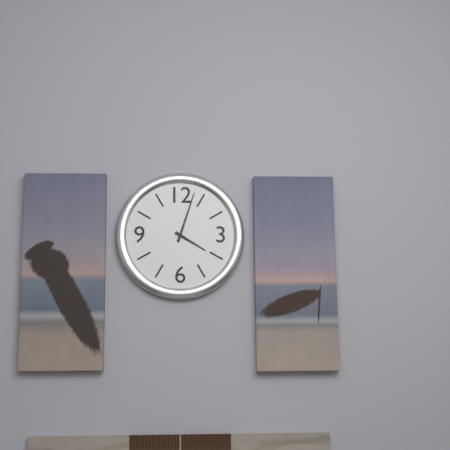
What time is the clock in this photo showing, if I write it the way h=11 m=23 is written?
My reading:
h=4 m=3
